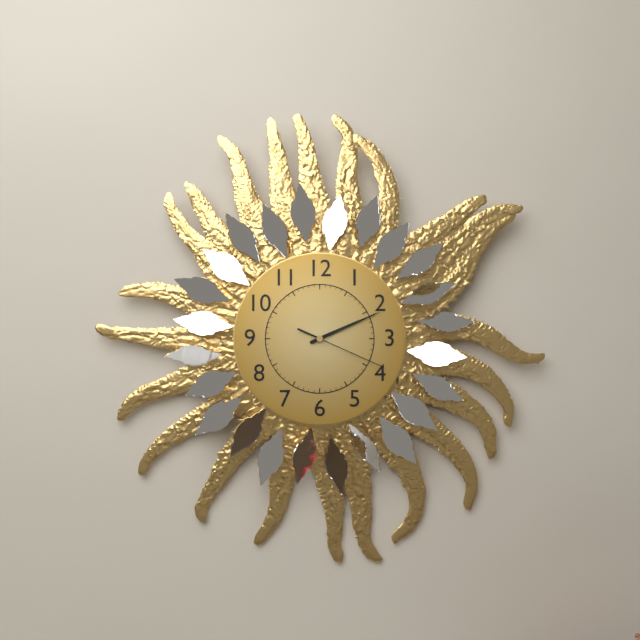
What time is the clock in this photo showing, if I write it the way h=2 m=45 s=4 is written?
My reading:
h=2 m=11 s=19
